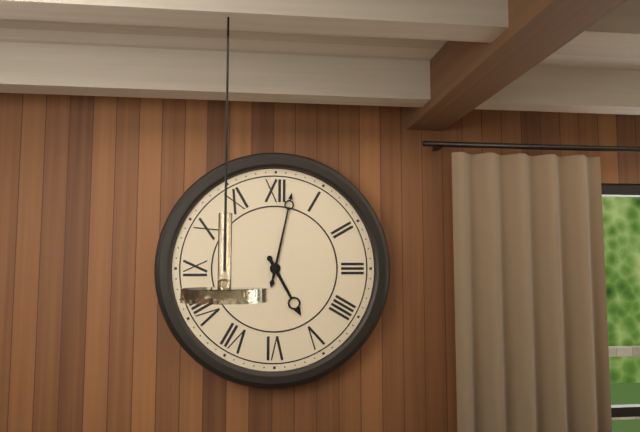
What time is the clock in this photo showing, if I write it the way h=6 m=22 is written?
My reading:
h=5 m=2
